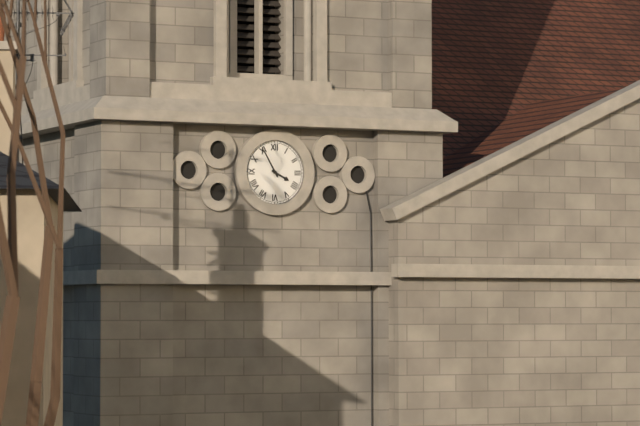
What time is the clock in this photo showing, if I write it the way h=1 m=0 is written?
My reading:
h=3 m=55
